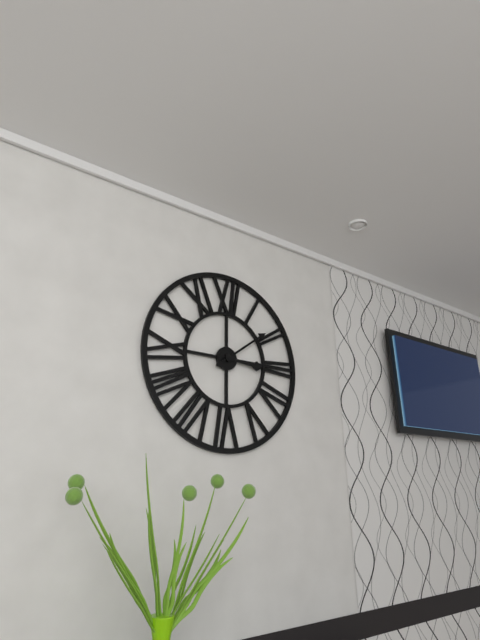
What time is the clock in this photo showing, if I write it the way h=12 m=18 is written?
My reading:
h=3 m=9
